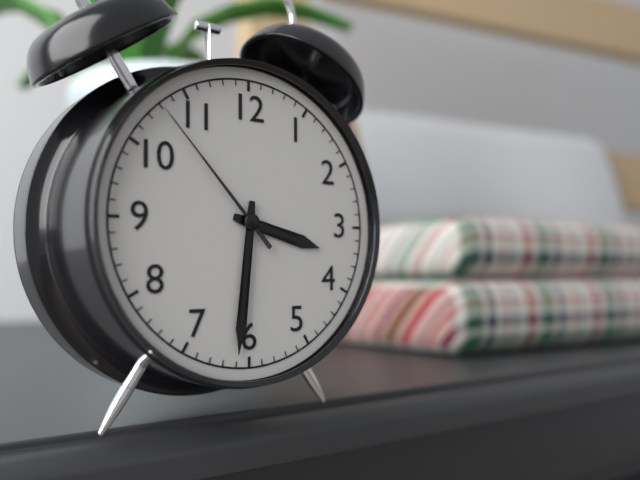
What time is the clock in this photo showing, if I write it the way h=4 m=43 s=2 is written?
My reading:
h=3 m=31 s=53
